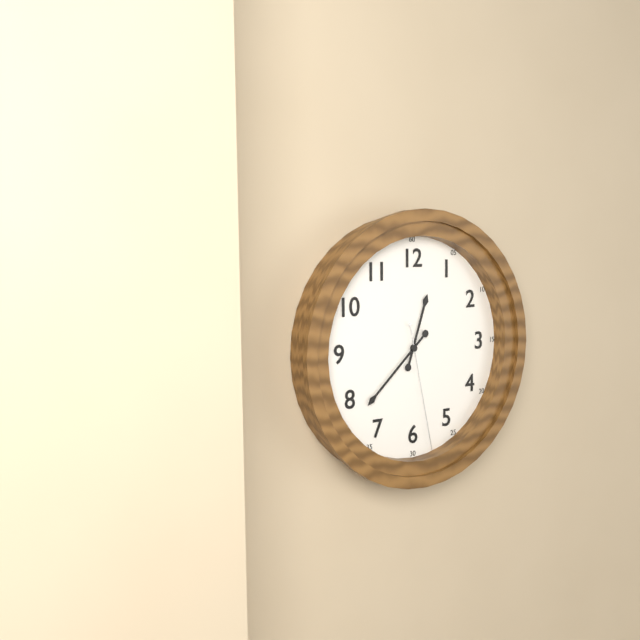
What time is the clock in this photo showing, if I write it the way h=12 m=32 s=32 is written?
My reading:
h=12 m=38 s=28
